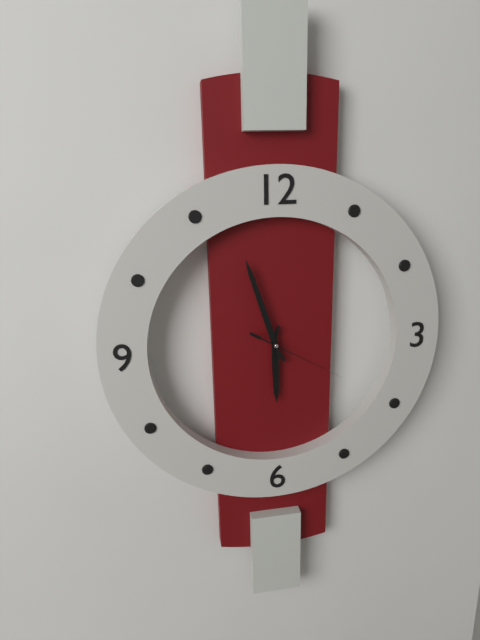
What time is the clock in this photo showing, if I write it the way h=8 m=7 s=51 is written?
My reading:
h=5 m=57 s=20
